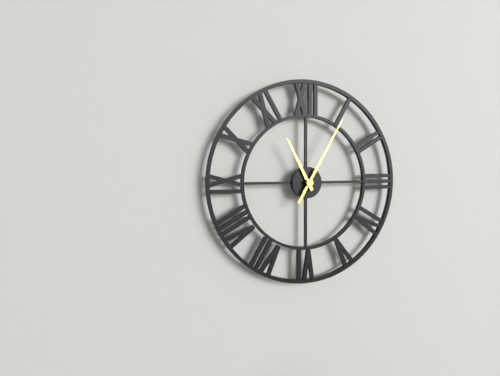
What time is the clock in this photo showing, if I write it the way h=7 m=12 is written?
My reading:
h=11 m=5
